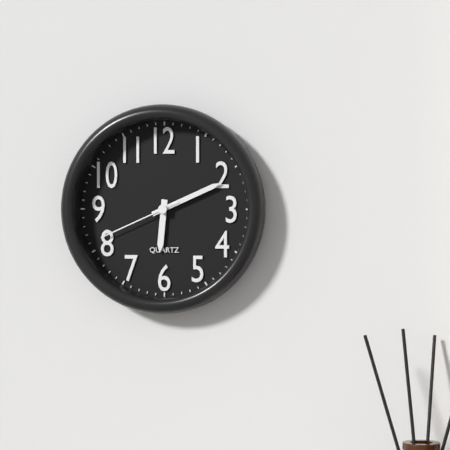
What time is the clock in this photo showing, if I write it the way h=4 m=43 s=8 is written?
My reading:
h=6 m=11 s=41
